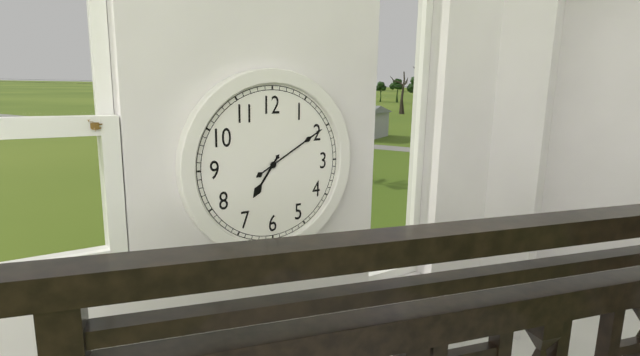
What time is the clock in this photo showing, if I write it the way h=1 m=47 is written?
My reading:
h=7 m=10
